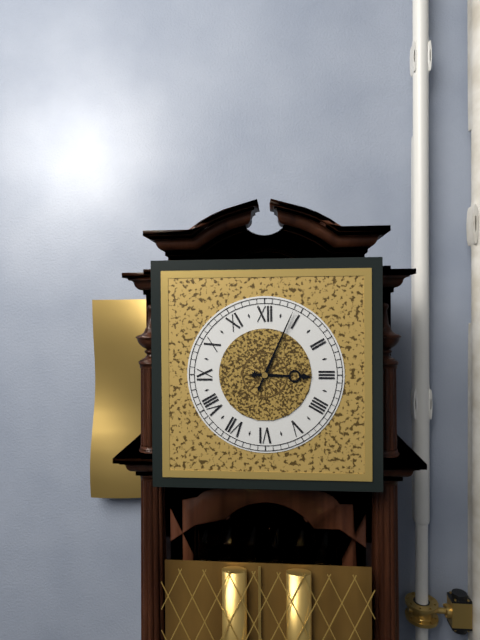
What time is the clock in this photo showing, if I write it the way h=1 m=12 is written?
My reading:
h=3 m=4
